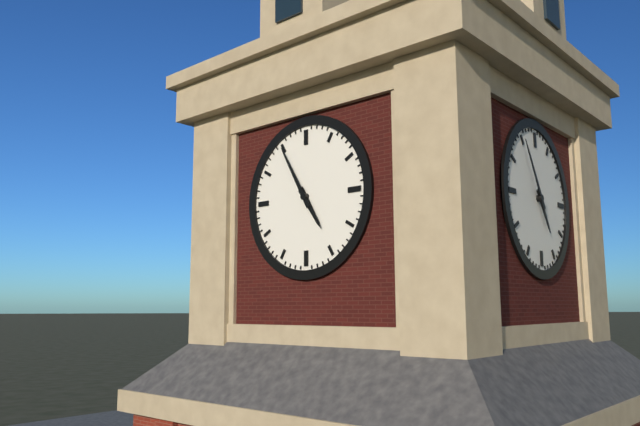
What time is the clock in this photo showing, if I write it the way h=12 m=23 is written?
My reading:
h=4 m=55
